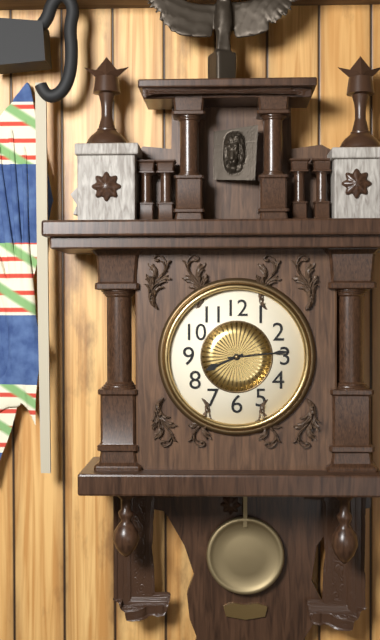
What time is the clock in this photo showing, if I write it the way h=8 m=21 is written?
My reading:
h=8 m=14
